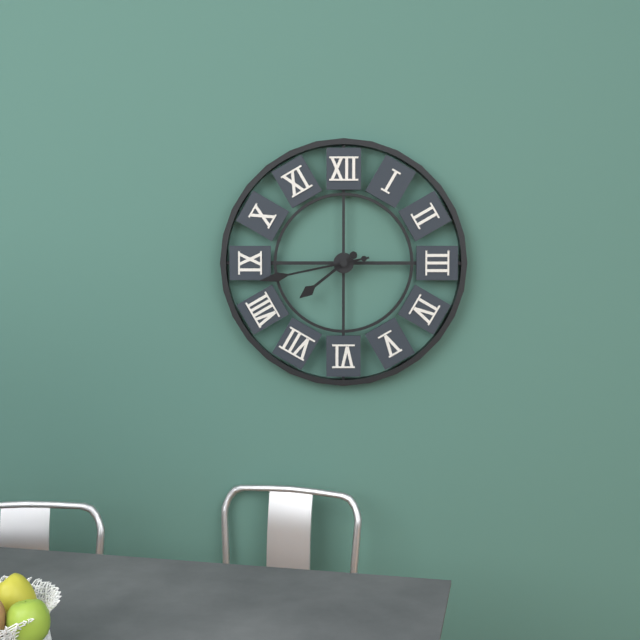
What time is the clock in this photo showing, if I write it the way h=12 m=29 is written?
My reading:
h=7 m=43
